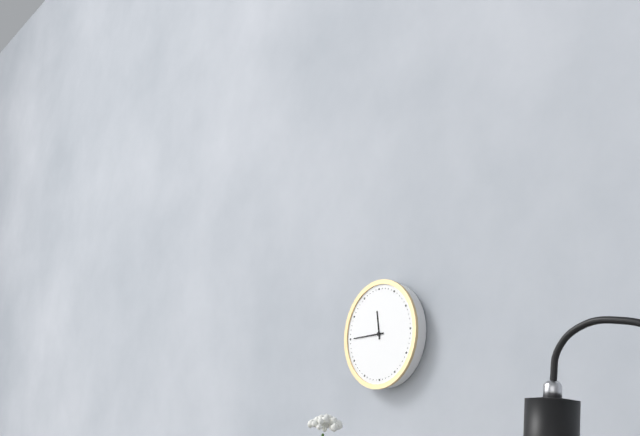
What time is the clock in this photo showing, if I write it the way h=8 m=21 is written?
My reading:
h=11 m=45
